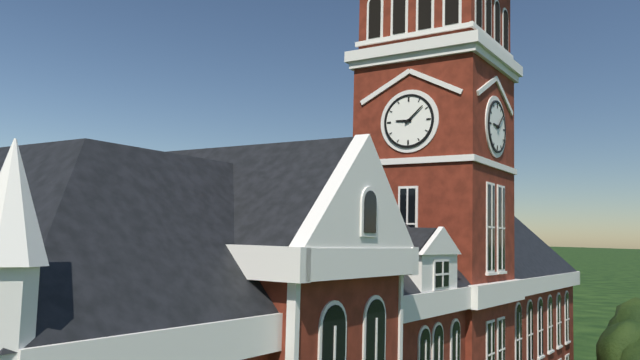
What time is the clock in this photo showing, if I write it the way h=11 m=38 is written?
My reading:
h=9 m=8
